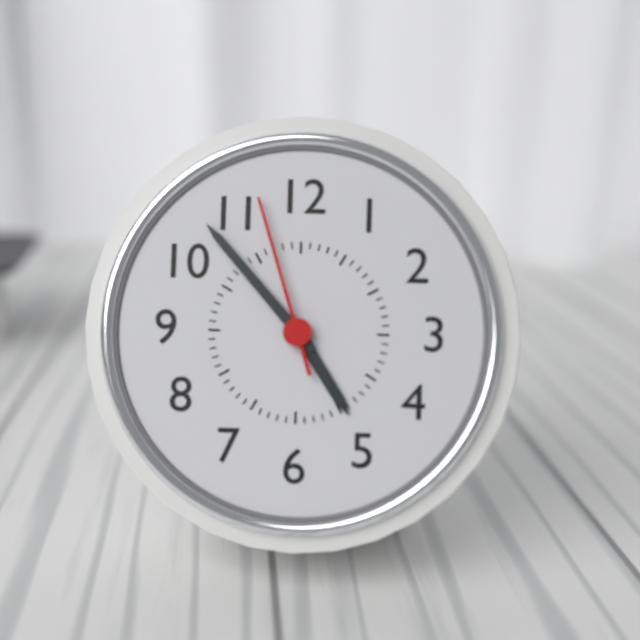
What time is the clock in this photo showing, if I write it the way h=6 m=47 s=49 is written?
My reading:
h=4 m=53 s=57
